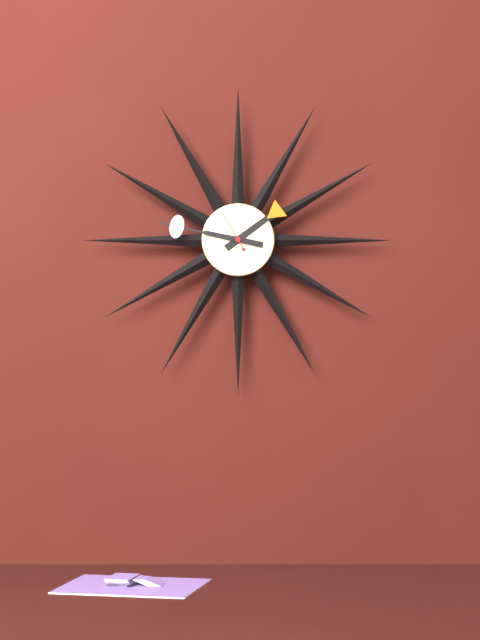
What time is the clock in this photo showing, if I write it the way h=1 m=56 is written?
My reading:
h=1 m=47
